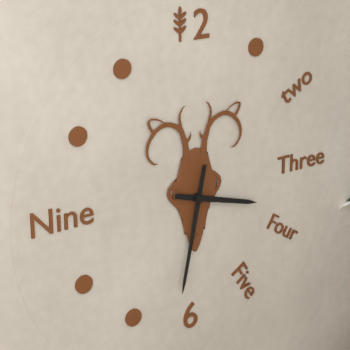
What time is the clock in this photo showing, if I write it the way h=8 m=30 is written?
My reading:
h=3 m=32
